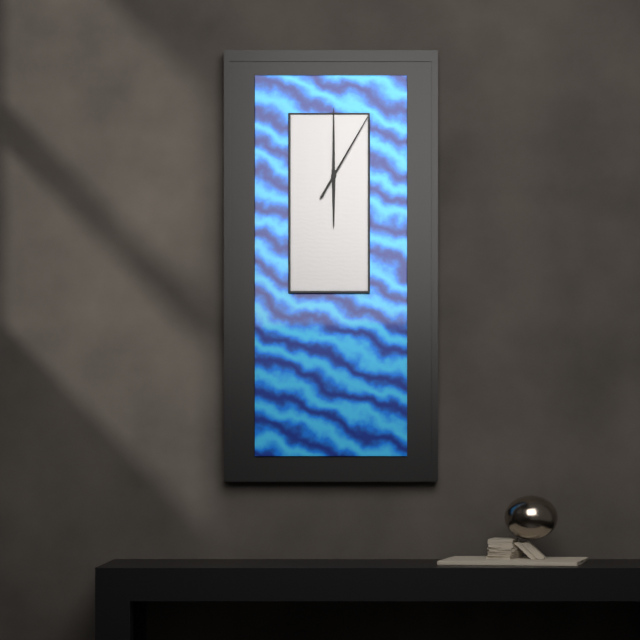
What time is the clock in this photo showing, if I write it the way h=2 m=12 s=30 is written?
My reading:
h=6 m=0 s=5
